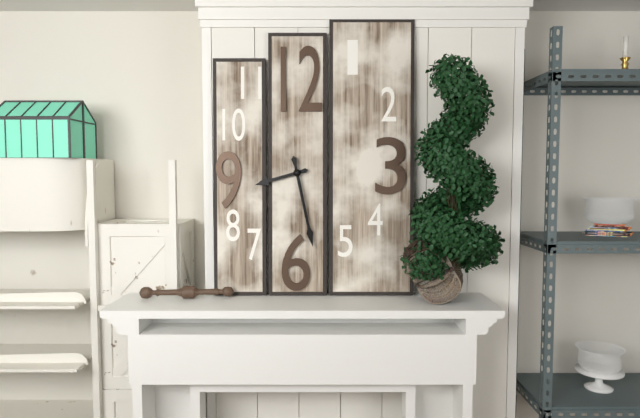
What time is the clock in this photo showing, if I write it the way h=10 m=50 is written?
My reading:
h=8 m=28
